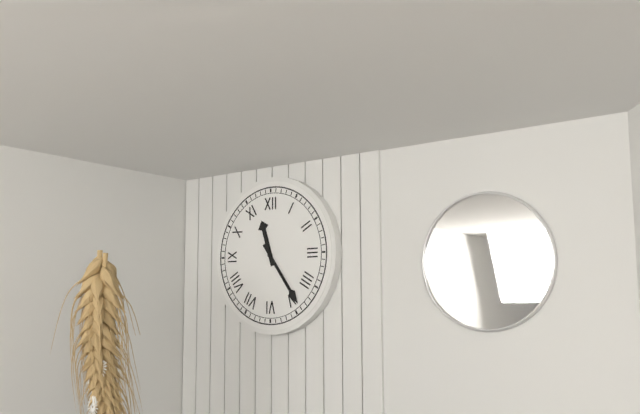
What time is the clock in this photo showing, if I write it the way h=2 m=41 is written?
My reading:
h=11 m=24
